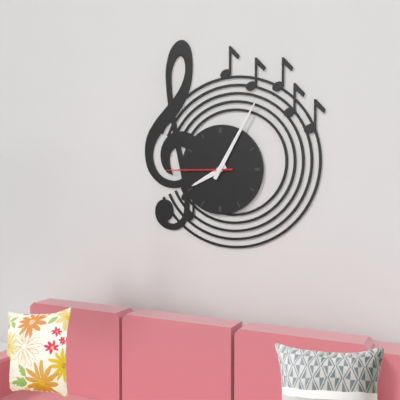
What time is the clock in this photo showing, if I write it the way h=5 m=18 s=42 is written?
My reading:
h=8 m=5 s=45
